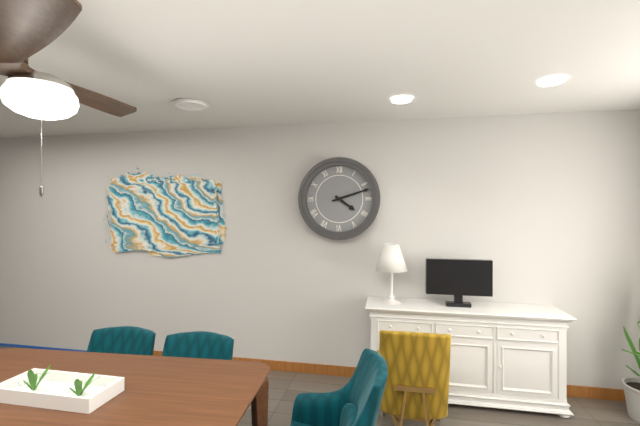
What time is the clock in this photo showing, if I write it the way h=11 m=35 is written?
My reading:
h=4 m=12
